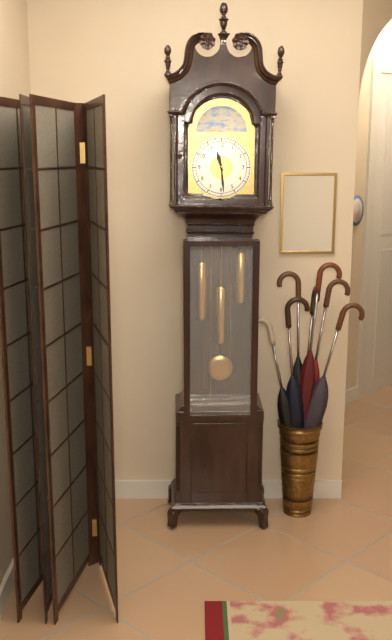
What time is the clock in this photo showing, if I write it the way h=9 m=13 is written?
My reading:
h=11 m=29
